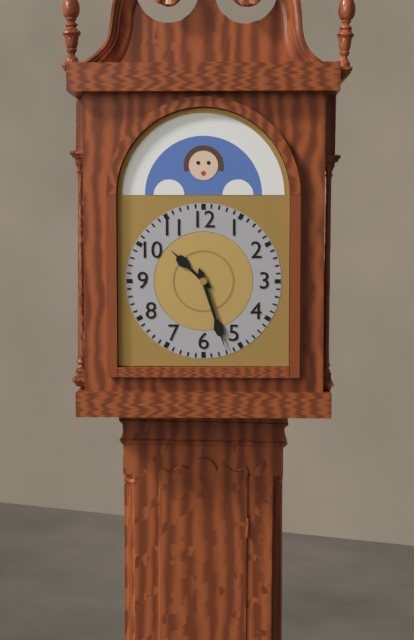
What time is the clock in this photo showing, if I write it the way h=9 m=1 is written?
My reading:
h=10 m=27
